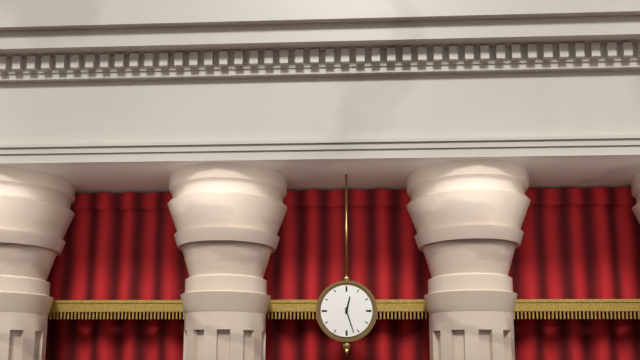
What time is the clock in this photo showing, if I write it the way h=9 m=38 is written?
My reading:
h=12 m=27
